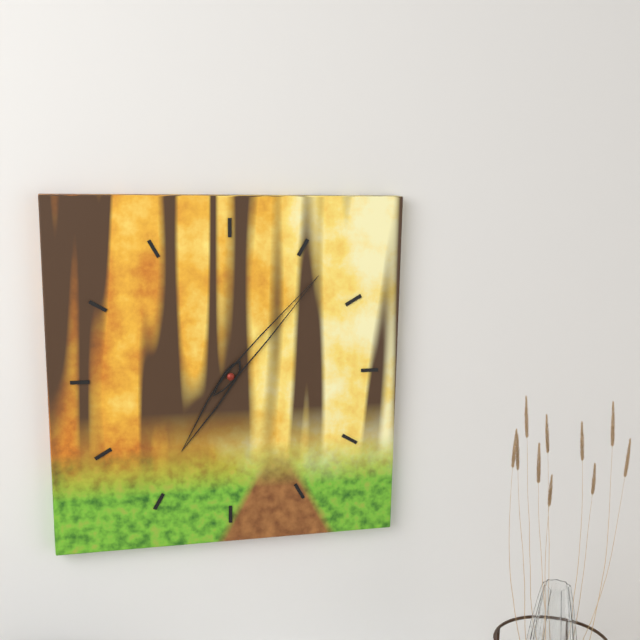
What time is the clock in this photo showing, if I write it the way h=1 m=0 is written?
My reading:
h=7 m=7
